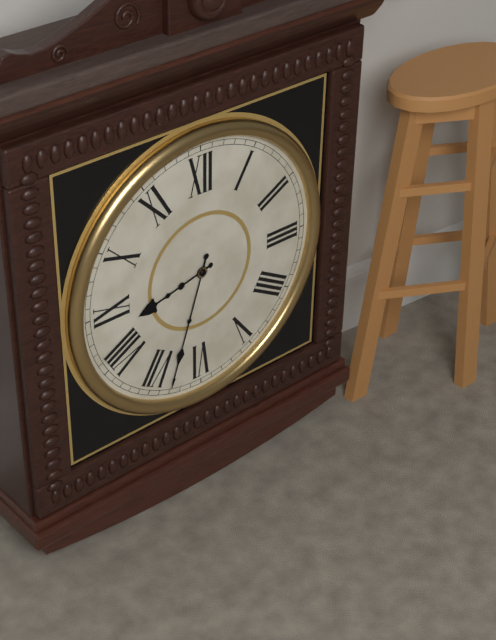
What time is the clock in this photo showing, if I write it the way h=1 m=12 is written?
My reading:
h=8 m=33
